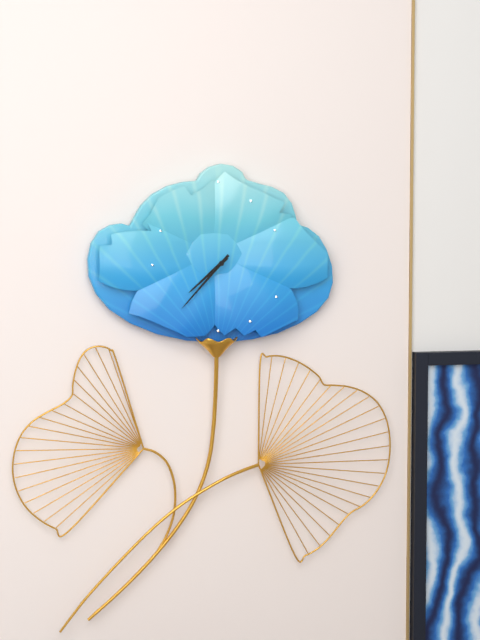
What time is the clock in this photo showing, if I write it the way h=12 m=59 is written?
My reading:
h=7 m=37
